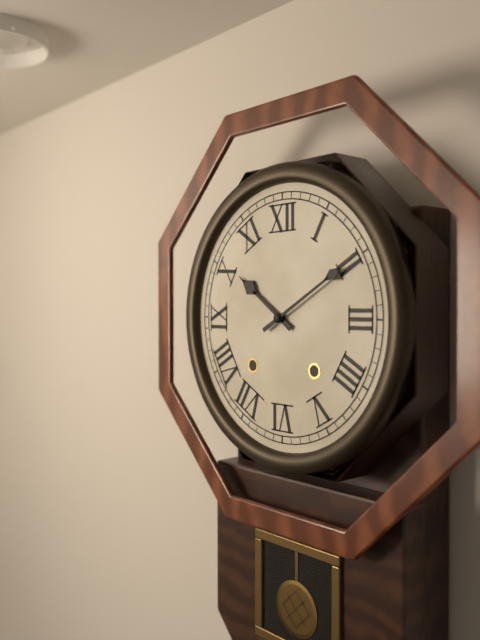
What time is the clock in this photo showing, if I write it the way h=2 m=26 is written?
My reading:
h=10 m=10
